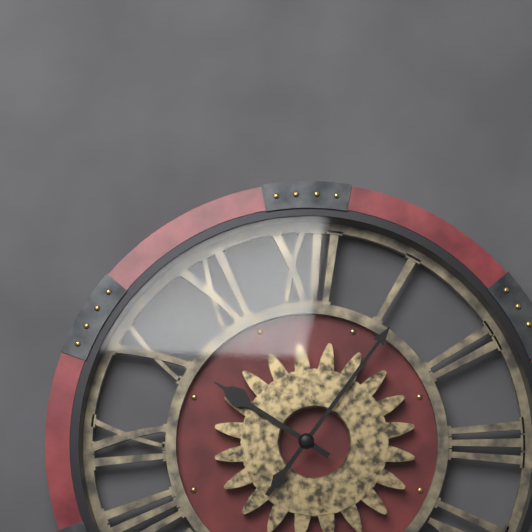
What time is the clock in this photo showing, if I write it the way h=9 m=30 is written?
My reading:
h=10 m=6
